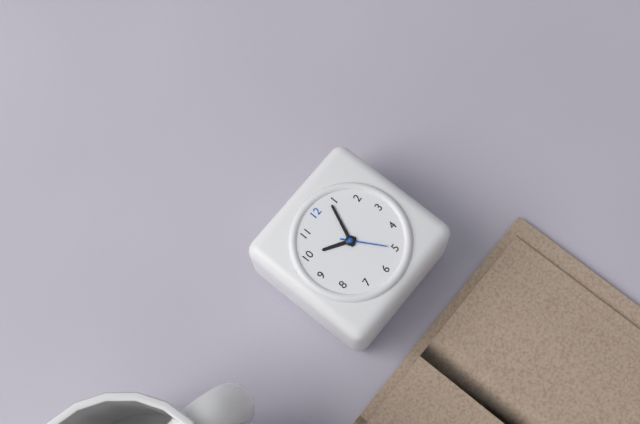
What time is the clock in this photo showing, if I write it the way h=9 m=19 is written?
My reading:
h=10 m=4
